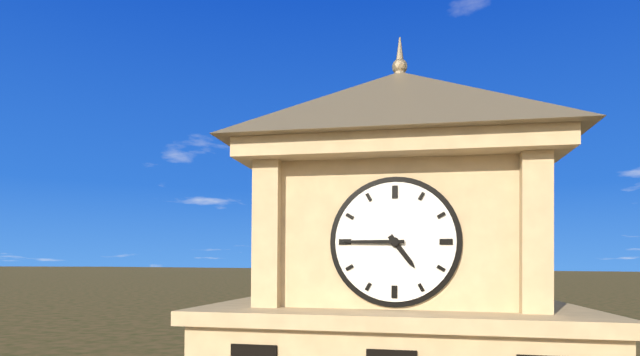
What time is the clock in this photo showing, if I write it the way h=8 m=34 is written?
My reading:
h=4 m=45
